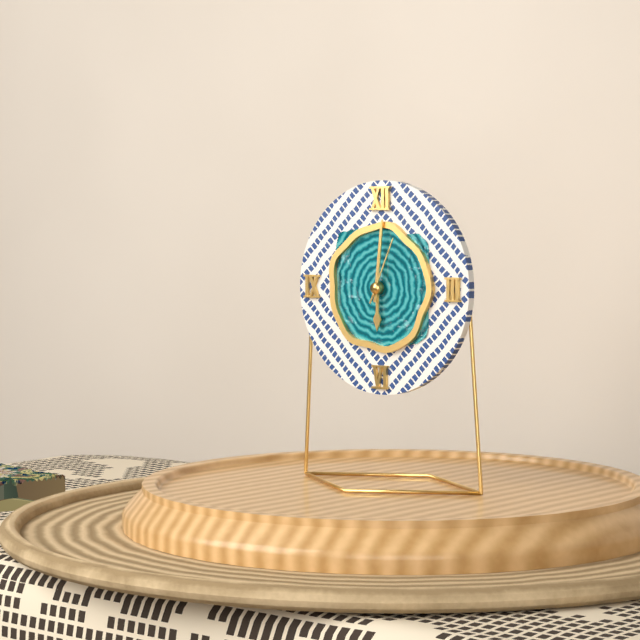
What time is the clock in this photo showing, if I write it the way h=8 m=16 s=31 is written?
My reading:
h=6 m=1 s=4
